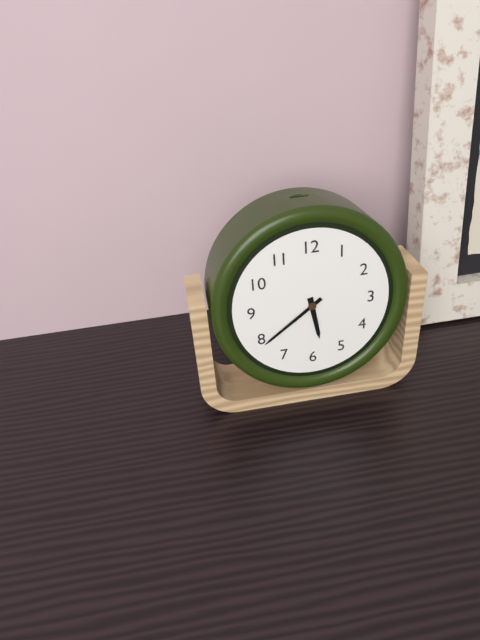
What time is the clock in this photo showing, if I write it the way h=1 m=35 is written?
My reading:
h=5 m=39
